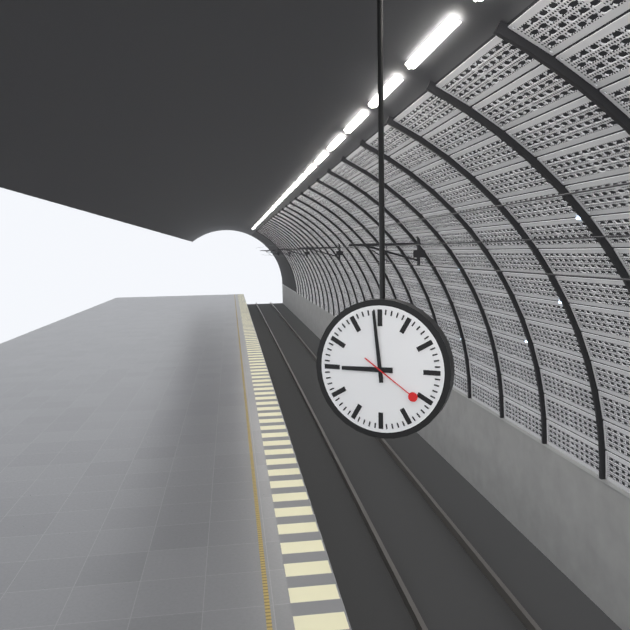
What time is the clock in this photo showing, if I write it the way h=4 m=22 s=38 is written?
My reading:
h=8 m=59 s=21
